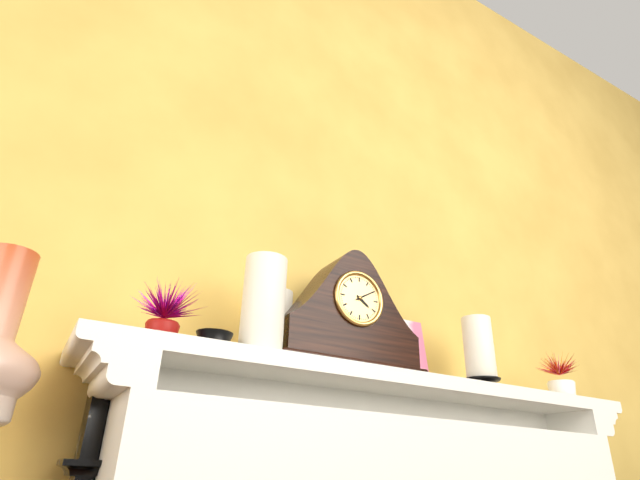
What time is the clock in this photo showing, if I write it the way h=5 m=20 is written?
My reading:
h=4 m=10
